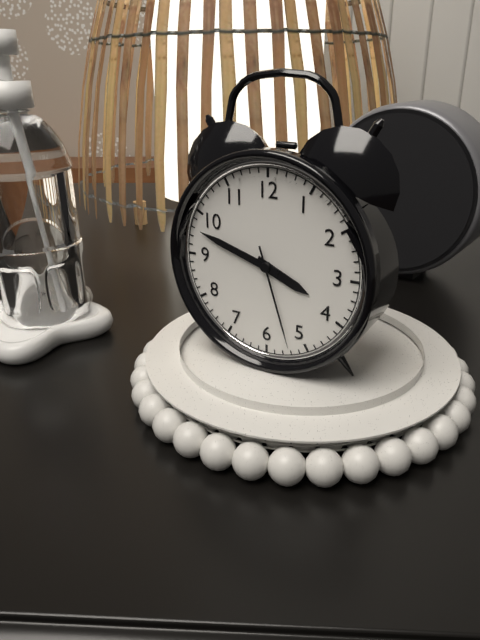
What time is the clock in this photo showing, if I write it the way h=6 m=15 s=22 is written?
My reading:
h=3 m=48 s=27
